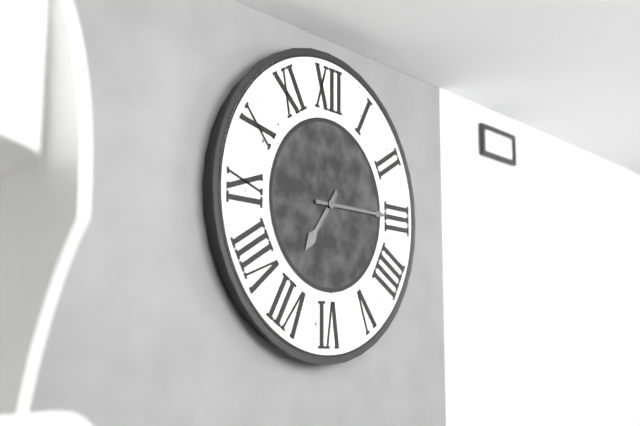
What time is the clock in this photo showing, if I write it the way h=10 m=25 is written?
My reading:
h=7 m=15
